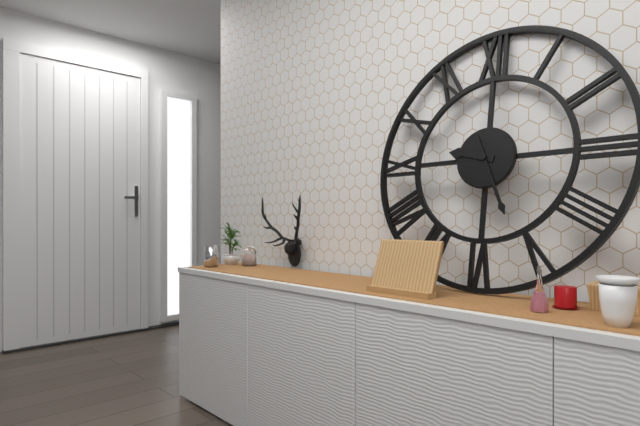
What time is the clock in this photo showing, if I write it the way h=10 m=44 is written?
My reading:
h=9 m=26
